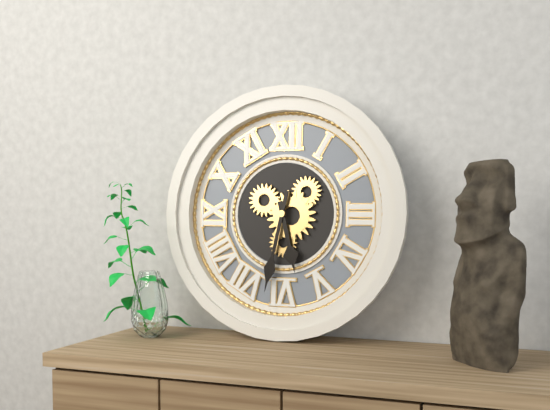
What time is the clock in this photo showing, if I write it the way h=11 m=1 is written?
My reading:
h=5 m=32
